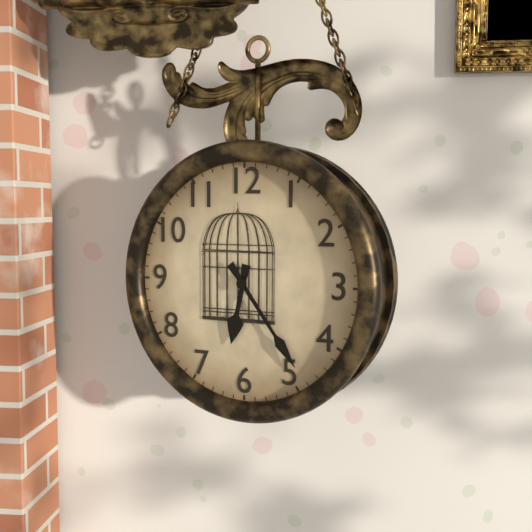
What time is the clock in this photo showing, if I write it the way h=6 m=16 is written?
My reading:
h=6 m=24
